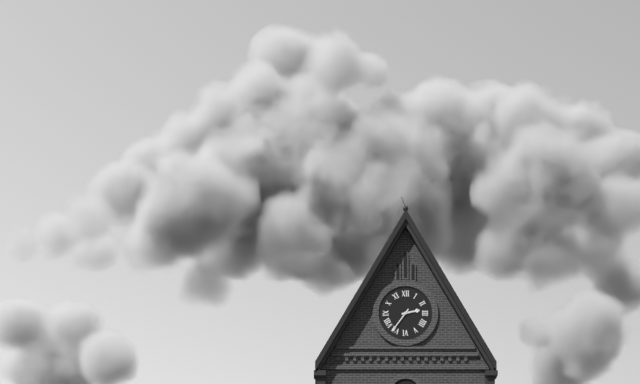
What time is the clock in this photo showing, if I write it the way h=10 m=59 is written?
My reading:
h=2 m=36
